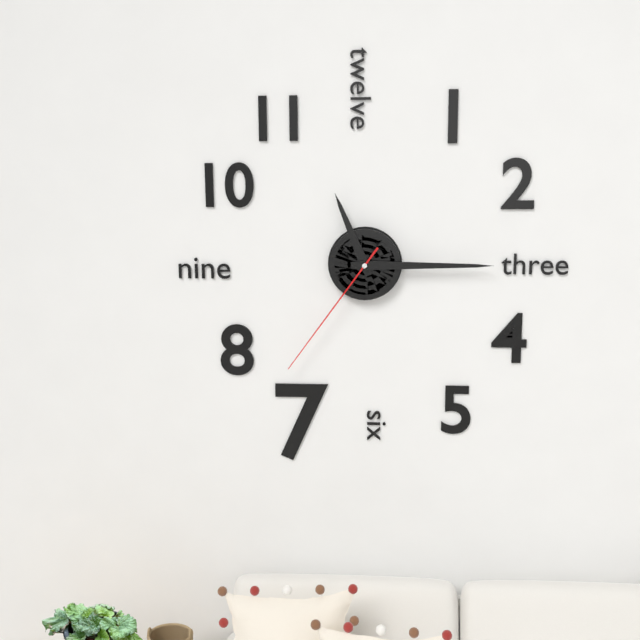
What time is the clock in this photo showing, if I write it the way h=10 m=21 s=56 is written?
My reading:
h=11 m=15 s=36
